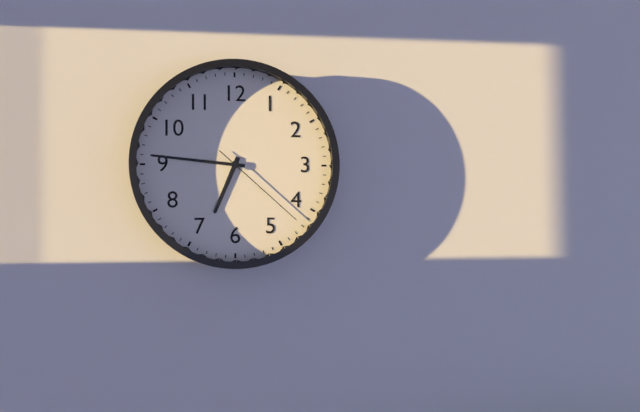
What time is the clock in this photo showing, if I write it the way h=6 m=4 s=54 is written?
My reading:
h=6 m=46 s=22
